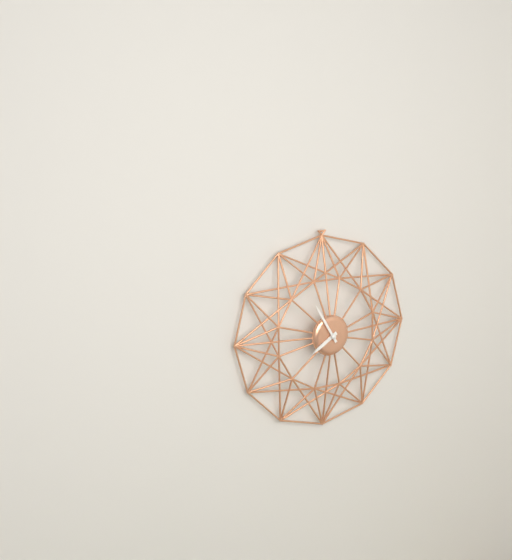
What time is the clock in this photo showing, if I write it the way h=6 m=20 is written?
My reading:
h=7 m=55
